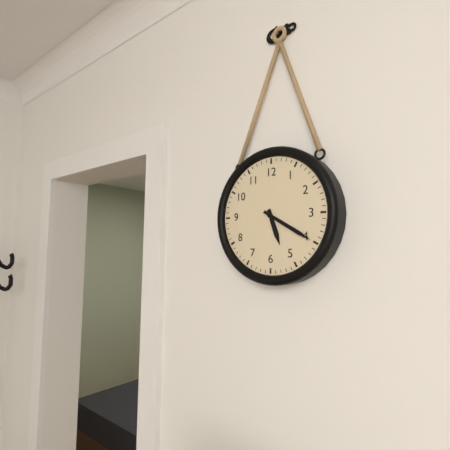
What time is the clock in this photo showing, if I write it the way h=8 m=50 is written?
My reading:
h=5 m=20
